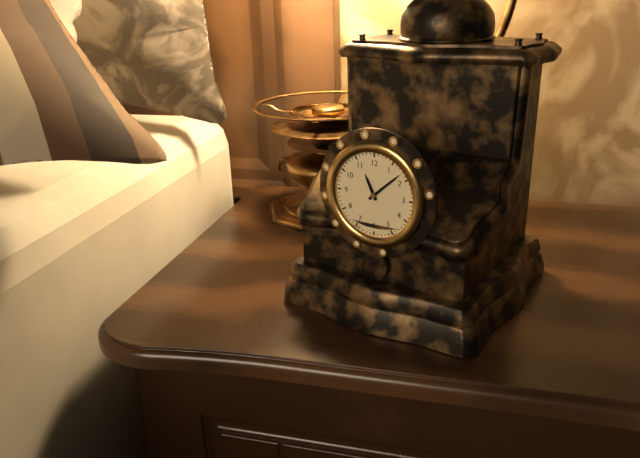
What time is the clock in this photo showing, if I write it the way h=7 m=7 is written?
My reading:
h=11 m=8
